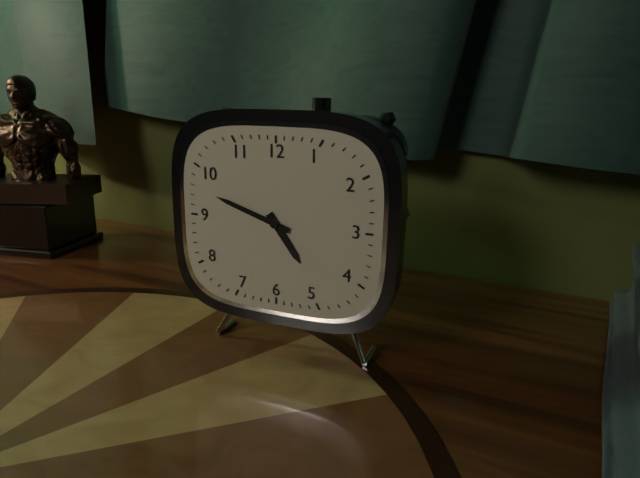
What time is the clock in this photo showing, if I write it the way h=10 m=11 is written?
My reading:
h=4 m=48
